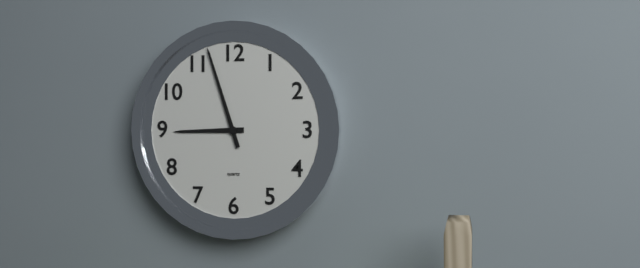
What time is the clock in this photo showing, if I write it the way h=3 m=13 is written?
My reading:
h=8 m=57
